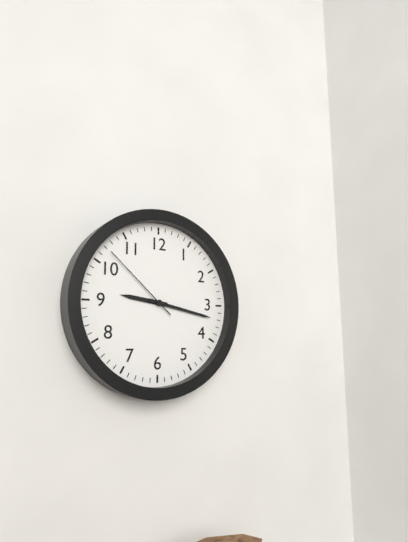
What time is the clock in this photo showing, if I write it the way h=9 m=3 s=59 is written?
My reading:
h=9 m=17 s=52
